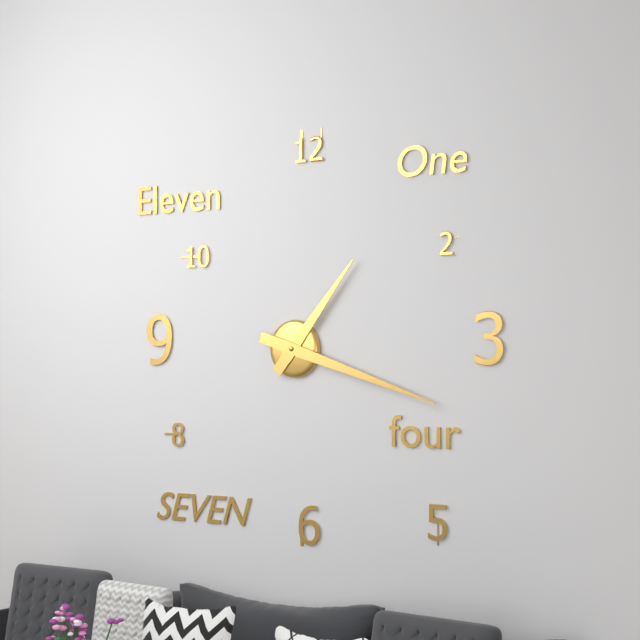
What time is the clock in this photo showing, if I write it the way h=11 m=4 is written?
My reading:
h=1 m=18
